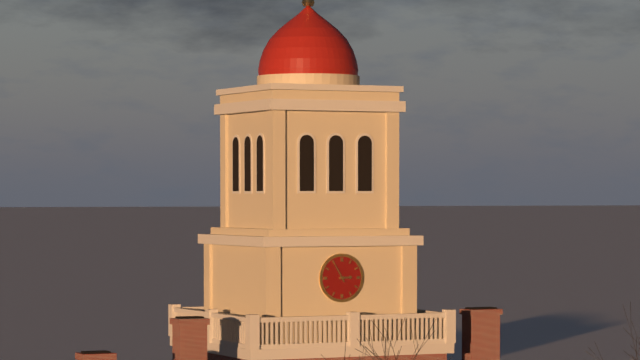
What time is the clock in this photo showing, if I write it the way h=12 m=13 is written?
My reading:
h=2 m=55
